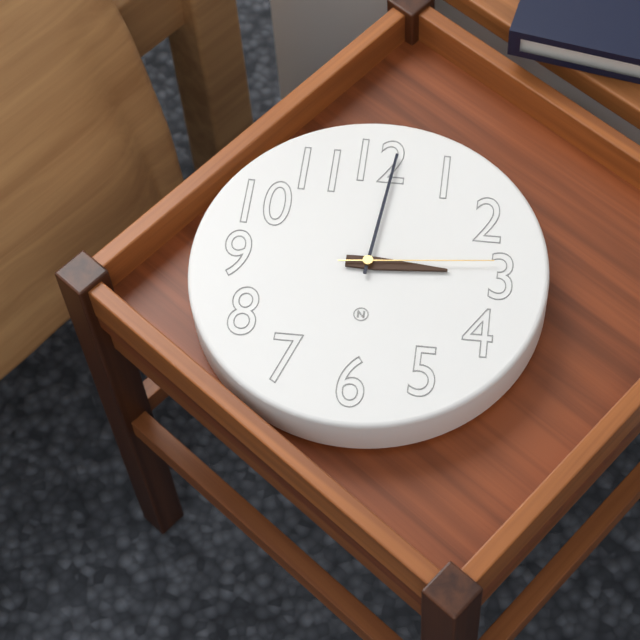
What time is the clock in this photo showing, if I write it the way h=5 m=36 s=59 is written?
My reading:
h=3 m=1 s=14
